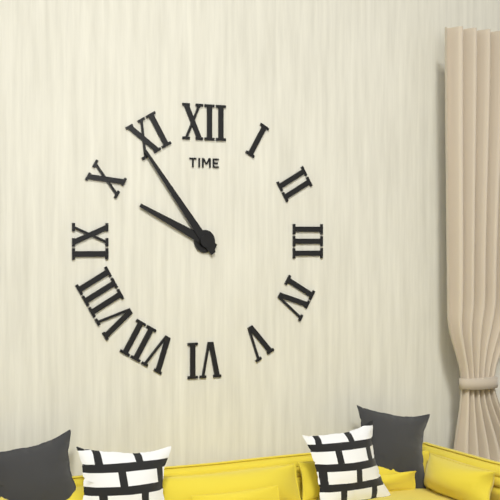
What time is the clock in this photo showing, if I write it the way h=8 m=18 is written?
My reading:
h=9 m=54
